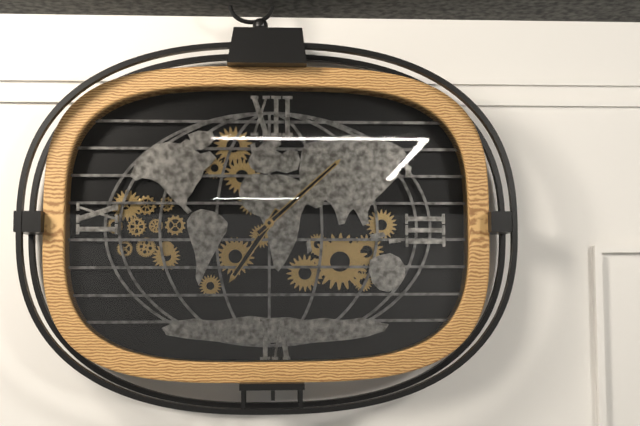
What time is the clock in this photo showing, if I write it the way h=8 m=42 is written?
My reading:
h=7 m=8
